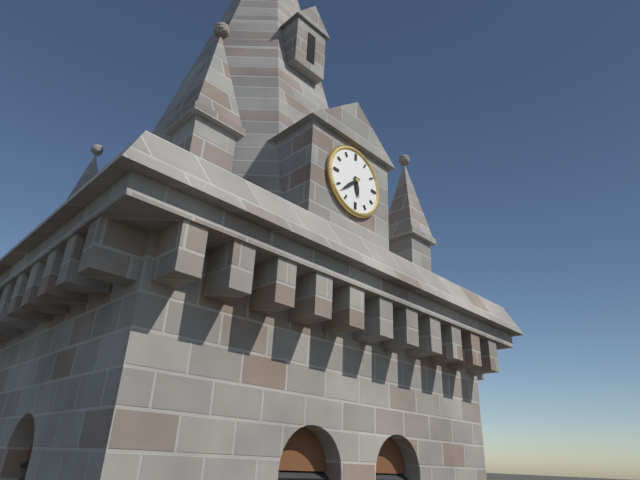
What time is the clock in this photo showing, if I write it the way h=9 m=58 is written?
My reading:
h=5 m=38
